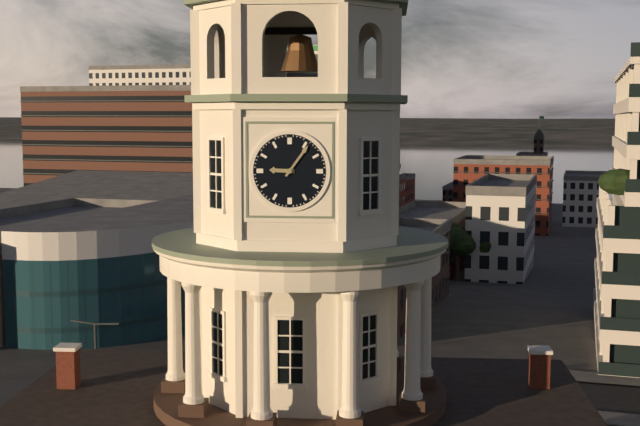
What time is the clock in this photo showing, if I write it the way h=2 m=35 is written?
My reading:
h=9 m=6
